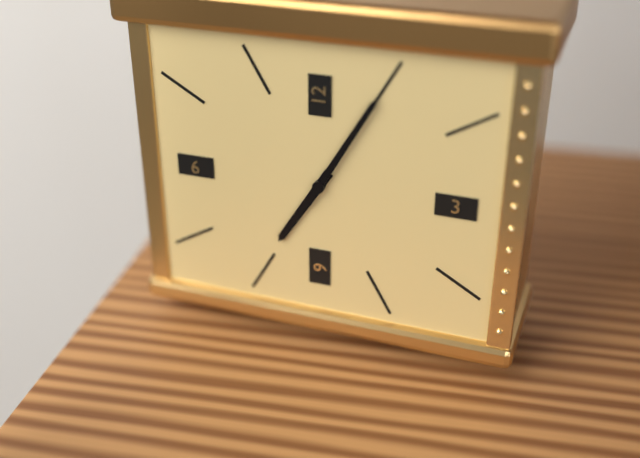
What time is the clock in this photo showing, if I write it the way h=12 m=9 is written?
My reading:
h=7 m=5
